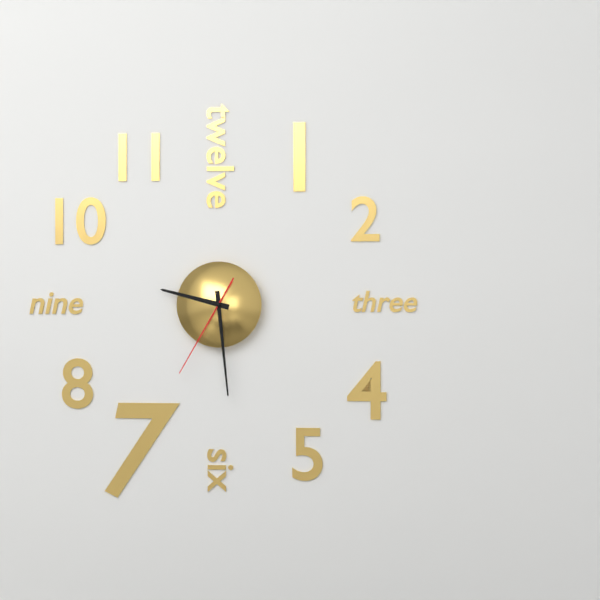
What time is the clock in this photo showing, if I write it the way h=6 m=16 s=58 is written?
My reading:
h=9 m=29 s=35
